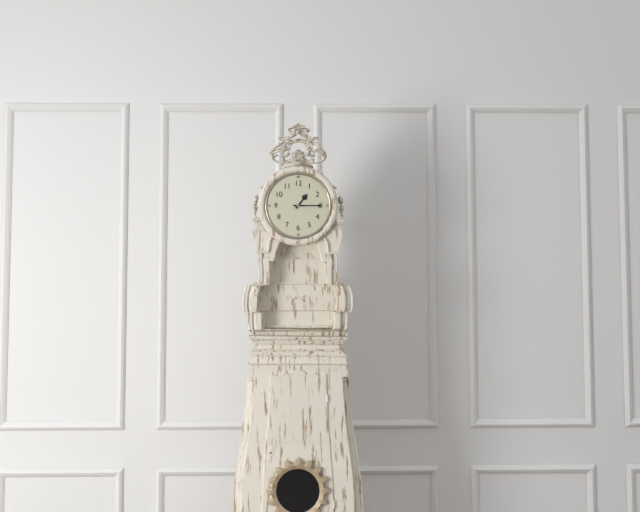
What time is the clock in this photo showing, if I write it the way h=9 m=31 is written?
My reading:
h=1 m=15
